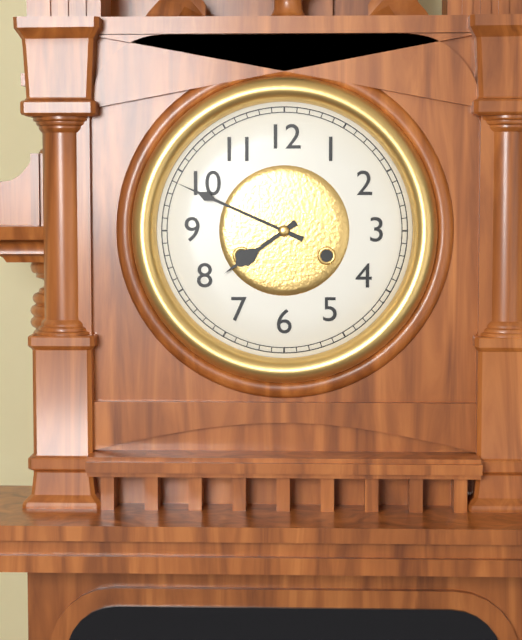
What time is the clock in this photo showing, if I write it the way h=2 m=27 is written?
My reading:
h=7 m=49
